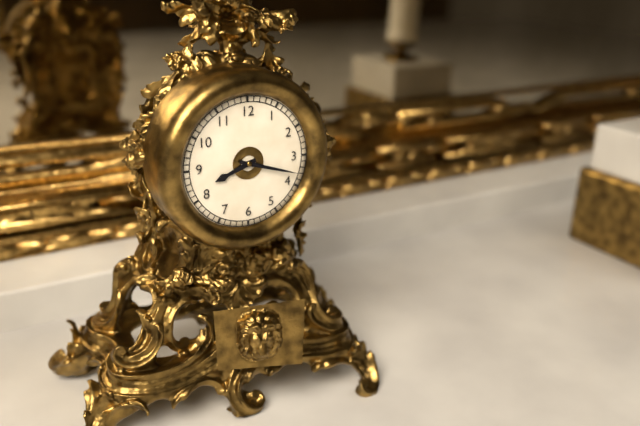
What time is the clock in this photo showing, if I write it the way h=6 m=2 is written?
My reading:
h=8 m=18
